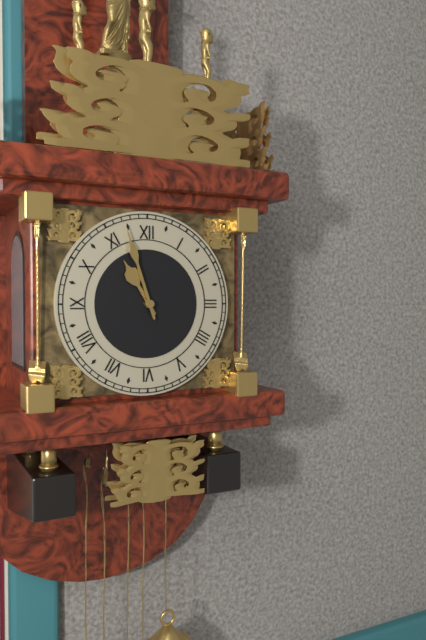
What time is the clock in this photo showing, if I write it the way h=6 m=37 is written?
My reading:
h=10 m=57
